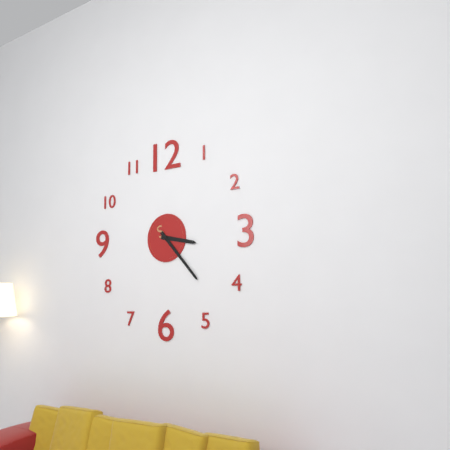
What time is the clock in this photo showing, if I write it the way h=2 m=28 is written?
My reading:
h=3 m=23
